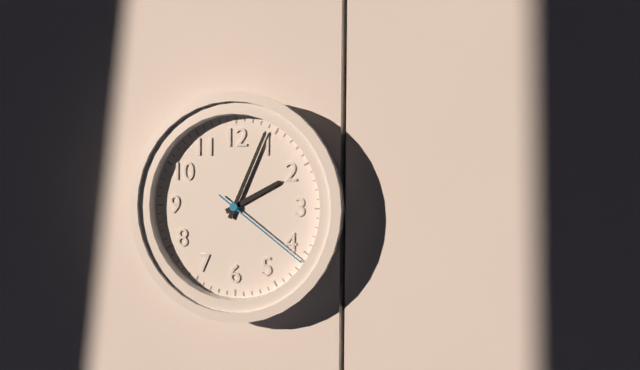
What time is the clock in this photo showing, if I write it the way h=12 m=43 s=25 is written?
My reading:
h=2 m=4 s=21
